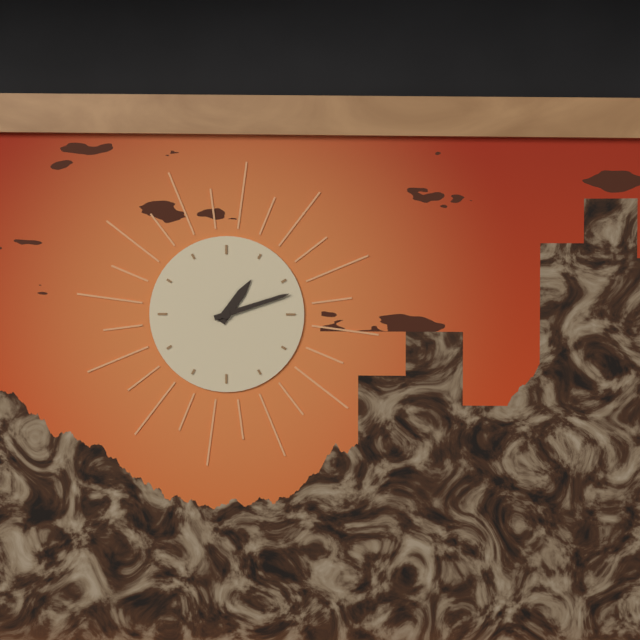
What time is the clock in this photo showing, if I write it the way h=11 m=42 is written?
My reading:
h=1 m=12
